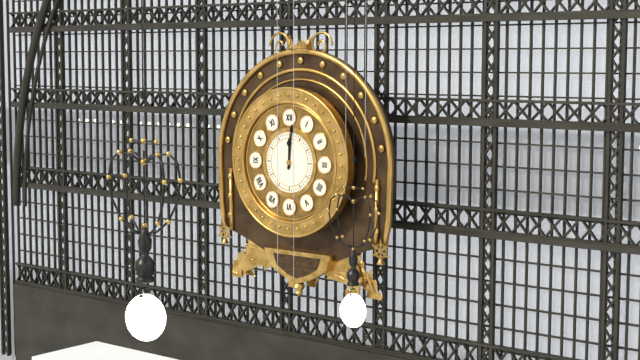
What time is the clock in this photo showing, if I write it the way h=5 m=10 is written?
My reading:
h=12 m=1
